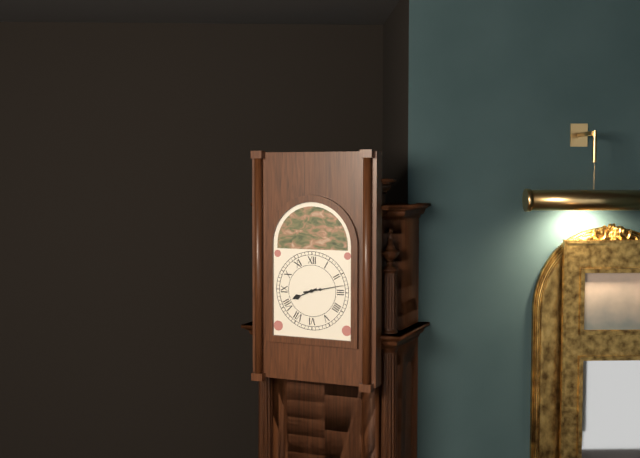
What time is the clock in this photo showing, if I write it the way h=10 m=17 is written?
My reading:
h=8 m=13
